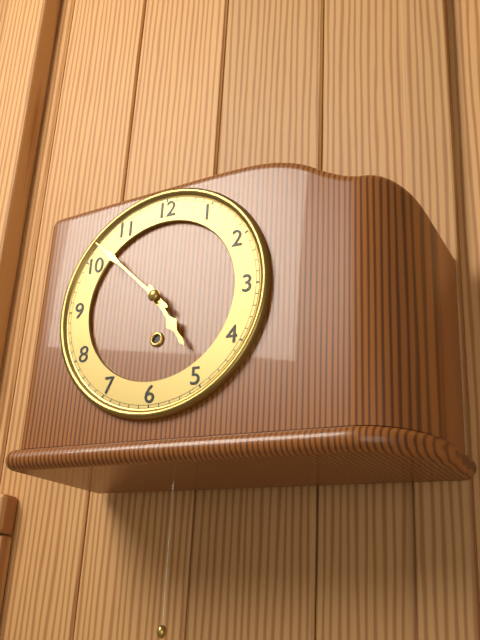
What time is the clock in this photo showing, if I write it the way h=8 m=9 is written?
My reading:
h=4 m=52
